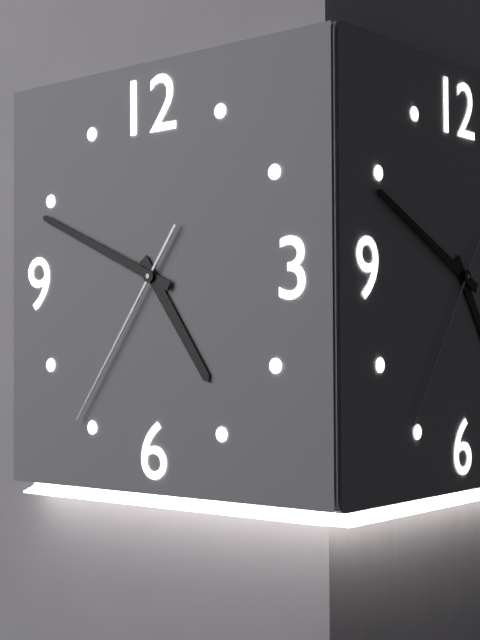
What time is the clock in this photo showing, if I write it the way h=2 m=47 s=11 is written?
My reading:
h=4 m=49 s=36
